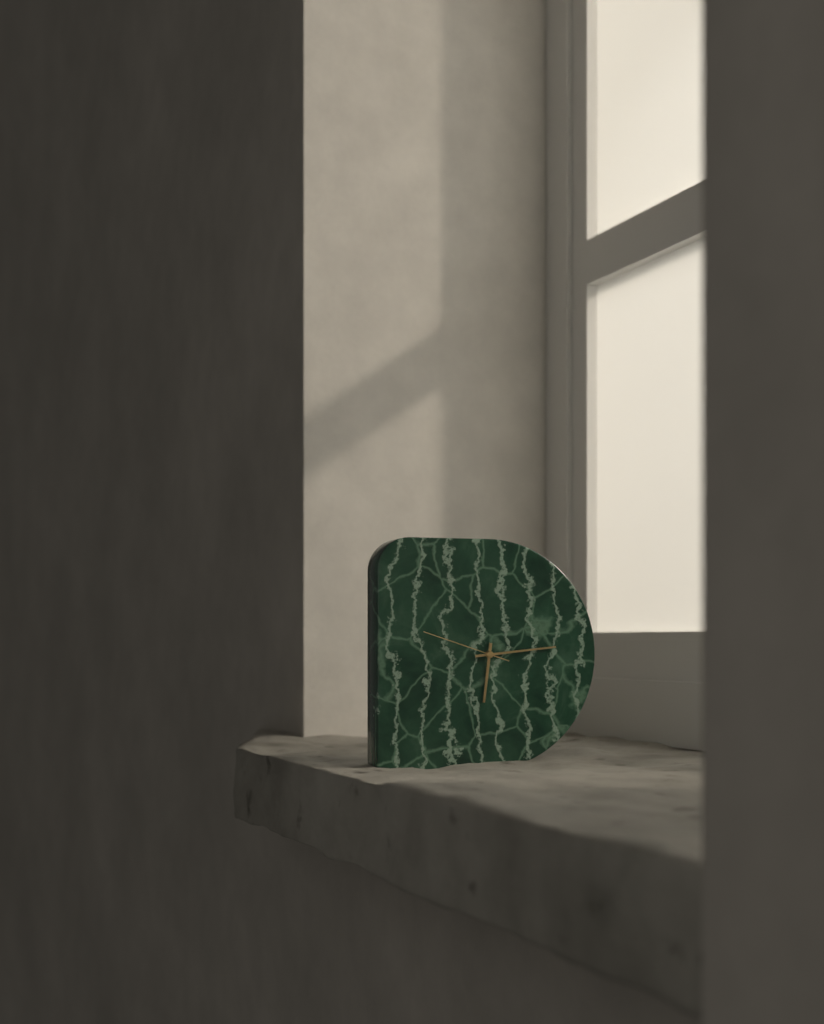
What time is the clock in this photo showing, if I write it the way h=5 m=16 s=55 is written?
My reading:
h=6 m=14 s=48
